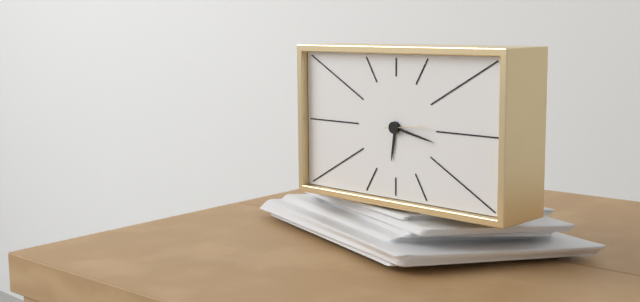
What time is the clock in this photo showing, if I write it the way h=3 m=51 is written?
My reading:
h=6 m=17
